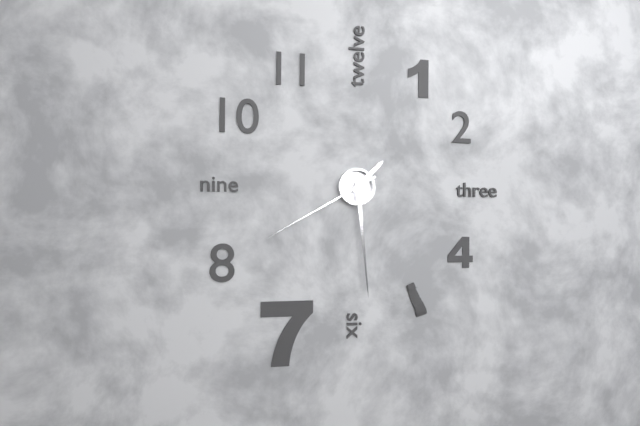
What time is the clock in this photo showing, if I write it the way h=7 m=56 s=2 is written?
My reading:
h=1 m=29 s=40
